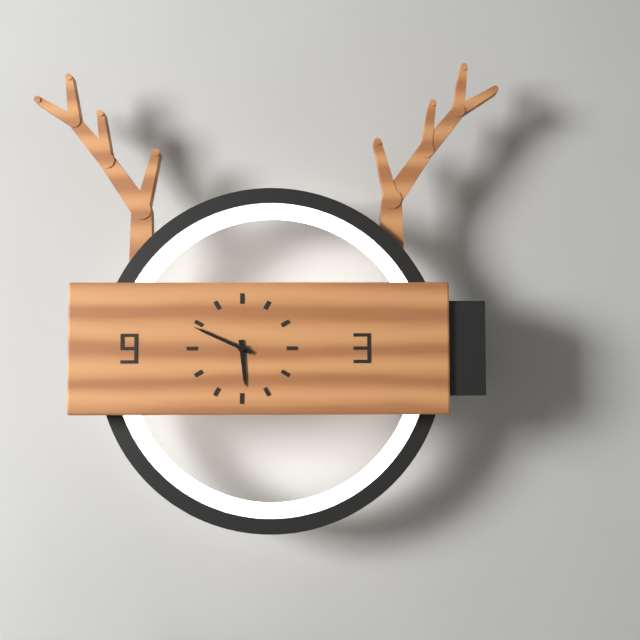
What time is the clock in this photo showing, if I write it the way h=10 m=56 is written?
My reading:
h=5 m=49
